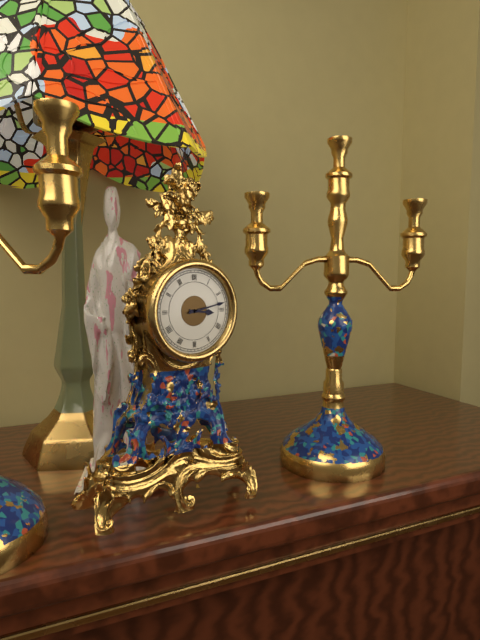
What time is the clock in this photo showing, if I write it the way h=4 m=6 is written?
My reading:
h=3 m=13
